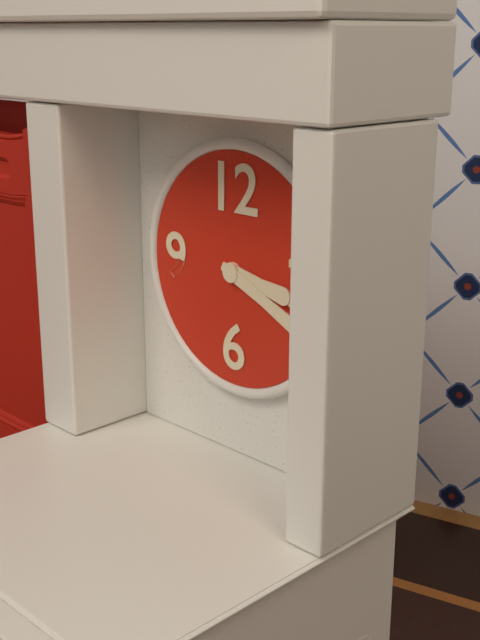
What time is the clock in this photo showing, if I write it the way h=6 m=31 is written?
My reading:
h=3 m=19
